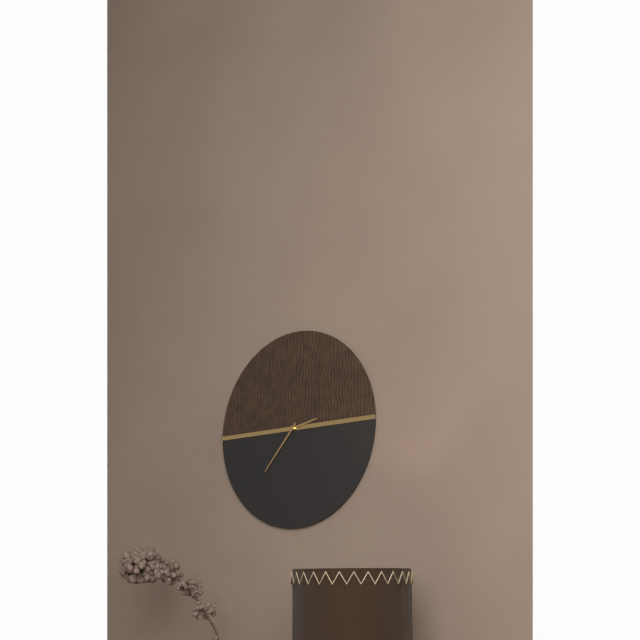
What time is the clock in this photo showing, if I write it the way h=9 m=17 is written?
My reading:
h=2 m=37
